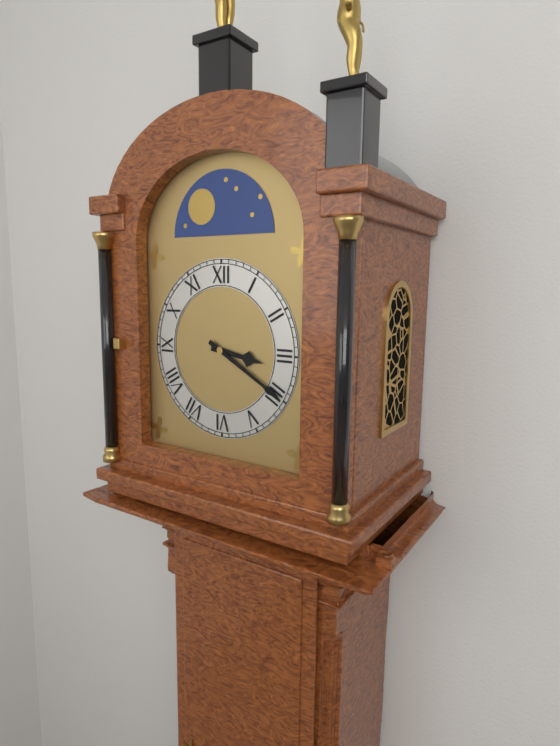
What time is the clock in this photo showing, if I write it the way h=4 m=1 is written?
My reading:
h=3 m=20
